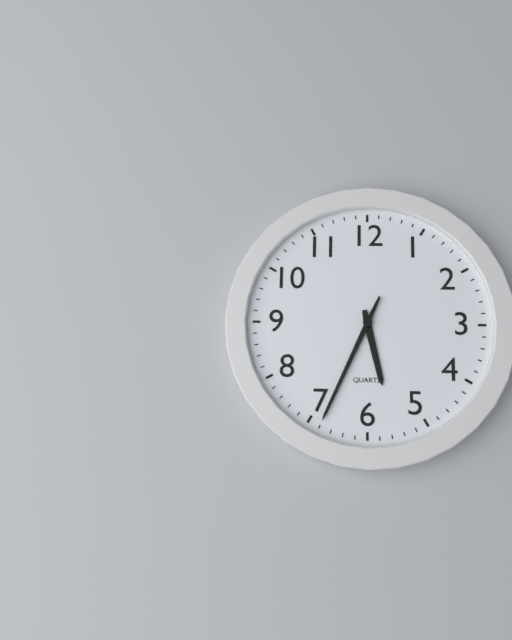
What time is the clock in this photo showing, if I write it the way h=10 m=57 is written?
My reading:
h=5 m=34
